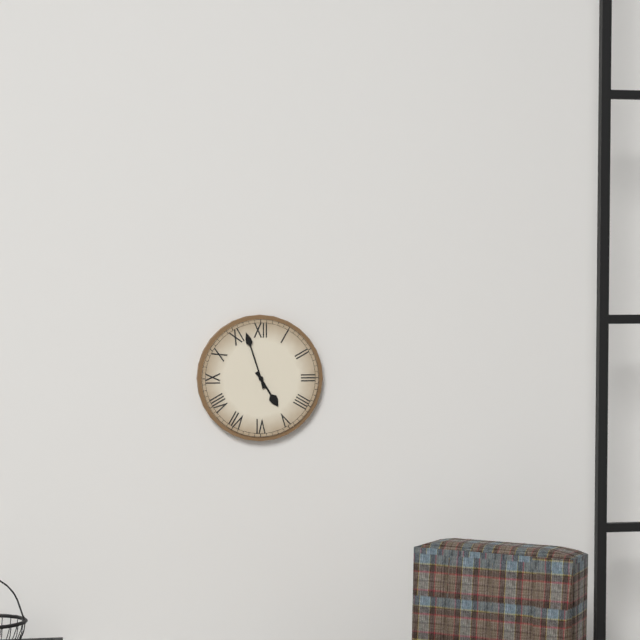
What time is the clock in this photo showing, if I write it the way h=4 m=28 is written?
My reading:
h=4 m=57
